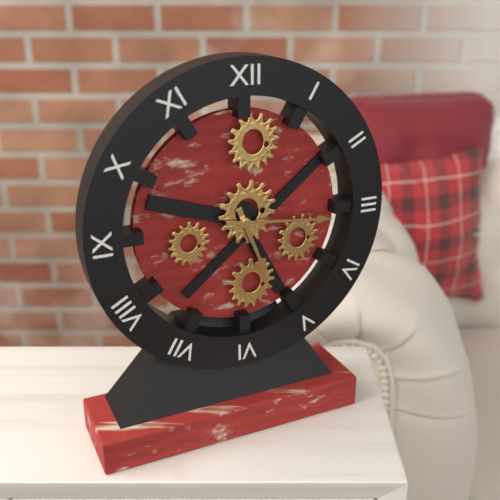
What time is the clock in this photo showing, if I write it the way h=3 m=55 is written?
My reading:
h=5 m=16
